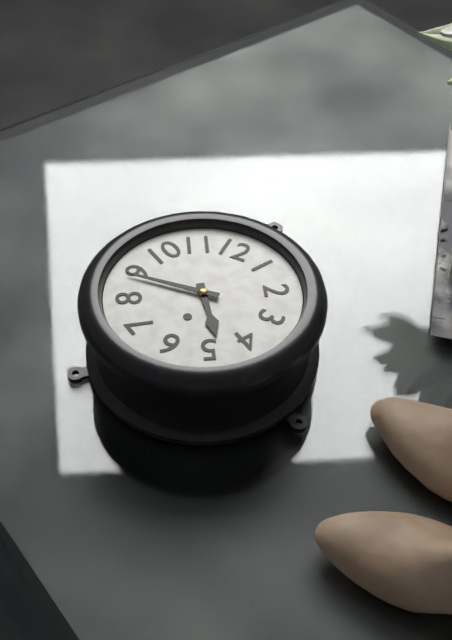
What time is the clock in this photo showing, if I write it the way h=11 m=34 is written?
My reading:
h=4 m=44
